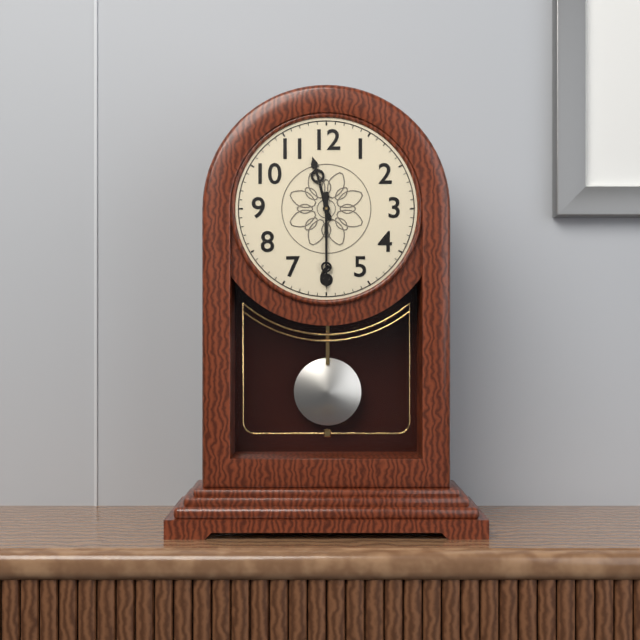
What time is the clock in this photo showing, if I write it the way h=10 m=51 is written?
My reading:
h=11 m=30
